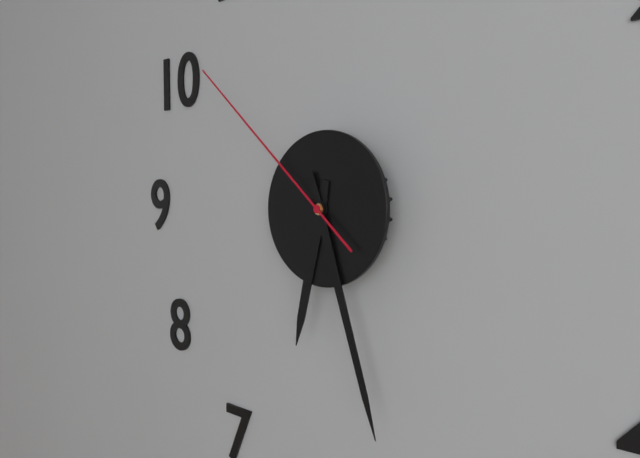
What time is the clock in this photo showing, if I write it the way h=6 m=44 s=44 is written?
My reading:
h=6 m=27 s=52
